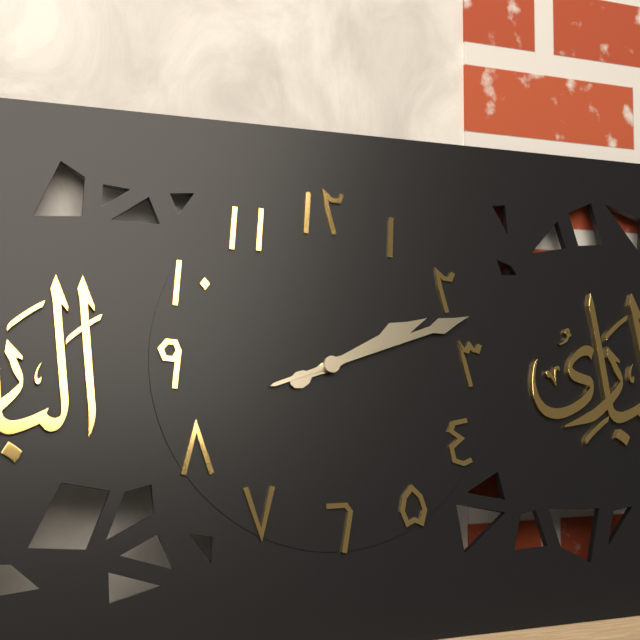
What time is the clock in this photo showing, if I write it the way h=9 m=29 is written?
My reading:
h=2 m=12
